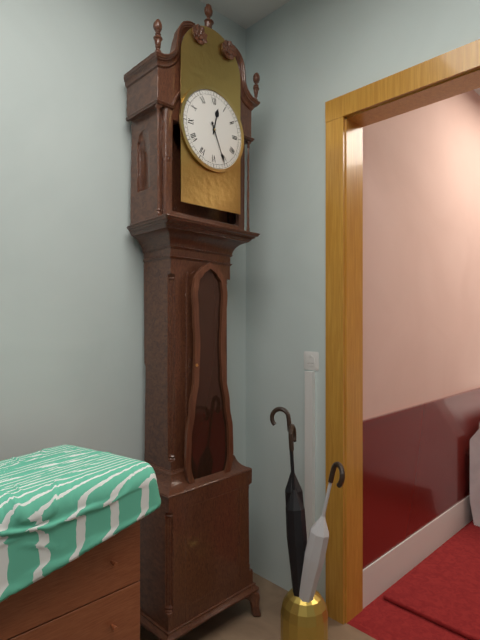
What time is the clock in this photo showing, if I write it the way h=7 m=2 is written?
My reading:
h=12 m=26
